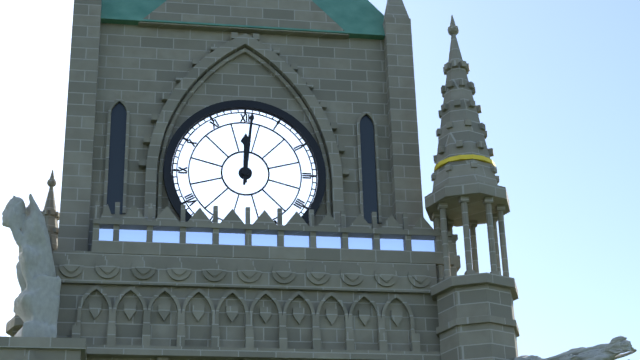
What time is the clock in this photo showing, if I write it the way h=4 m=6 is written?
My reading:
h=12 m=1
